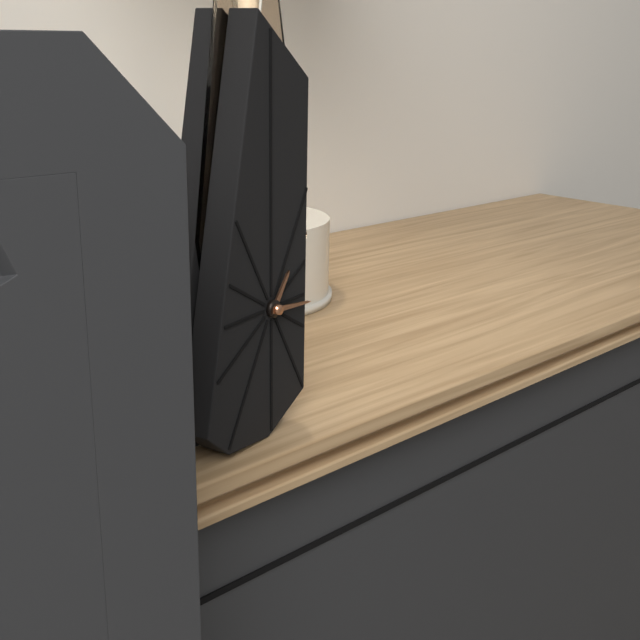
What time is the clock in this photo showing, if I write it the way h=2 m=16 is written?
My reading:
h=1 m=16
